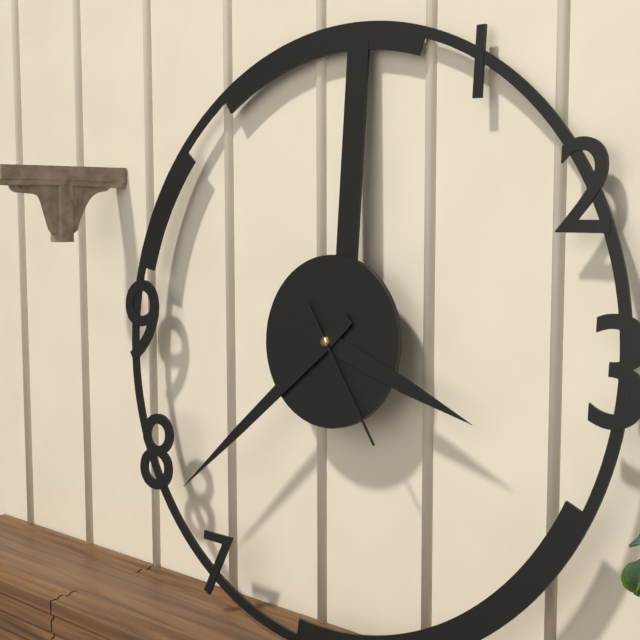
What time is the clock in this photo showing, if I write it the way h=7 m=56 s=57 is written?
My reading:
h=3 m=38 s=24
